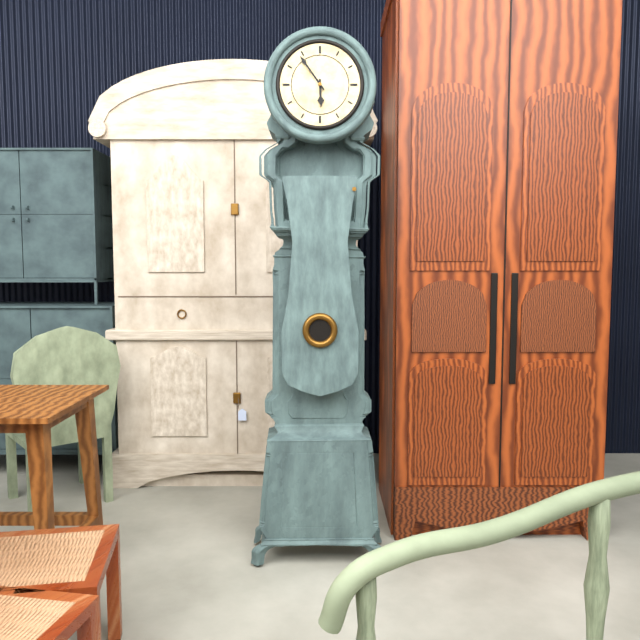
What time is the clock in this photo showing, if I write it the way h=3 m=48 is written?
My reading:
h=5 m=54
